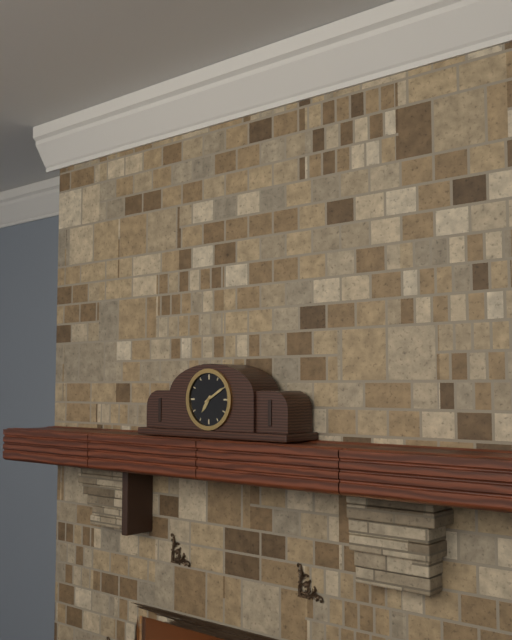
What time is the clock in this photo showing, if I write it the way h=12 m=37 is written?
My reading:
h=7 m=10
